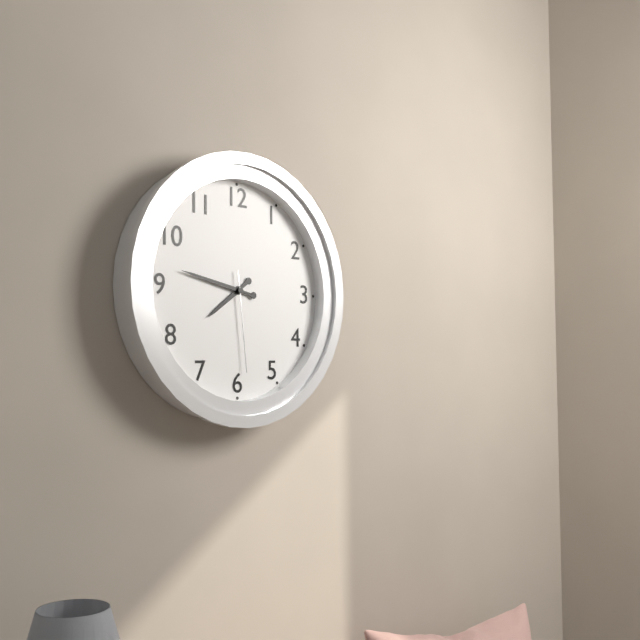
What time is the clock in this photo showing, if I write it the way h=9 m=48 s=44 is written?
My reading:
h=7 m=47 s=29
